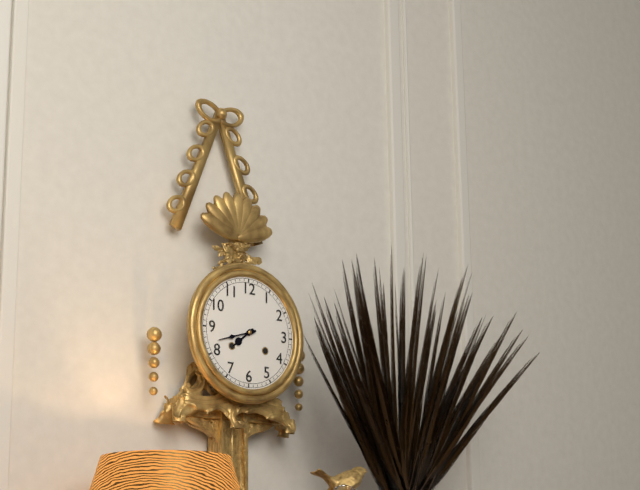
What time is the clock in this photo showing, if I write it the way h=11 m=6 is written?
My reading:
h=7 m=42
